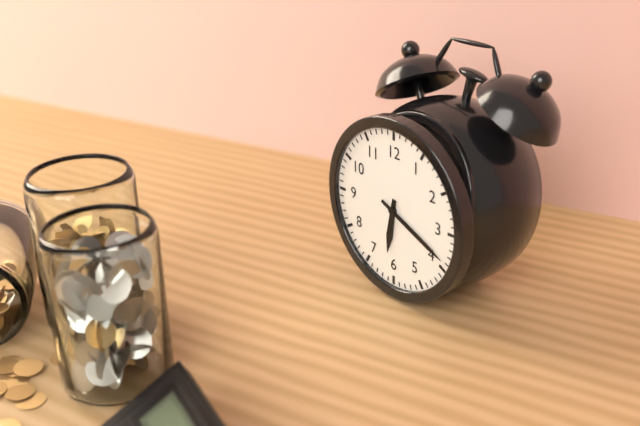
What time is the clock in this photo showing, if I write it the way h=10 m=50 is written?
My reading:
h=6 m=19
